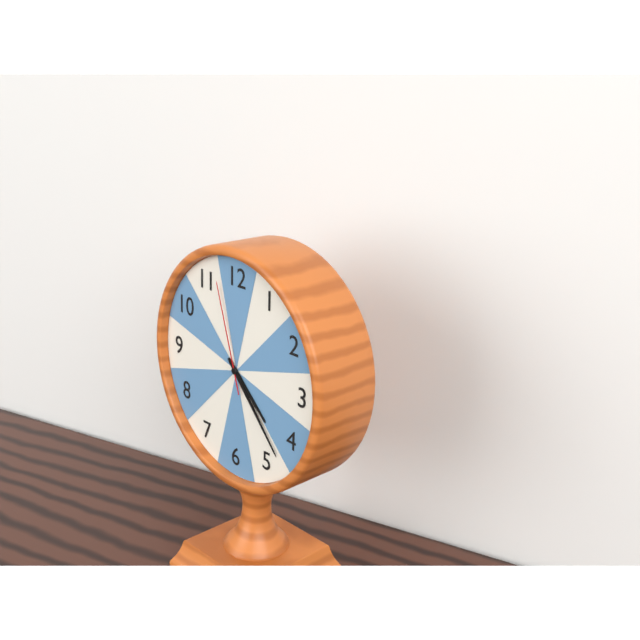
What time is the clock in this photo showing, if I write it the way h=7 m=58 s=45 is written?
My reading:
h=4 m=23 s=57
